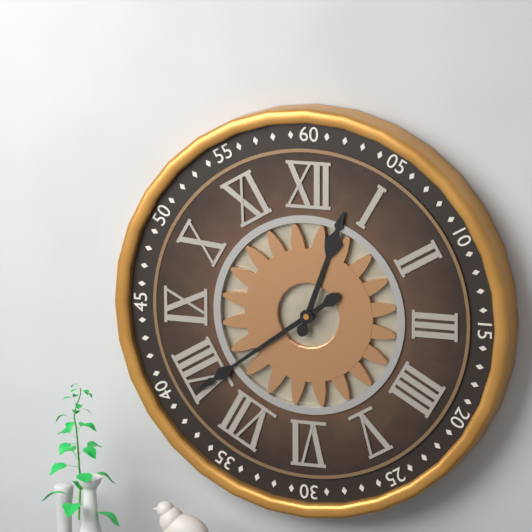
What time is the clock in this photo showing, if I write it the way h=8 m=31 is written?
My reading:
h=12 m=39
